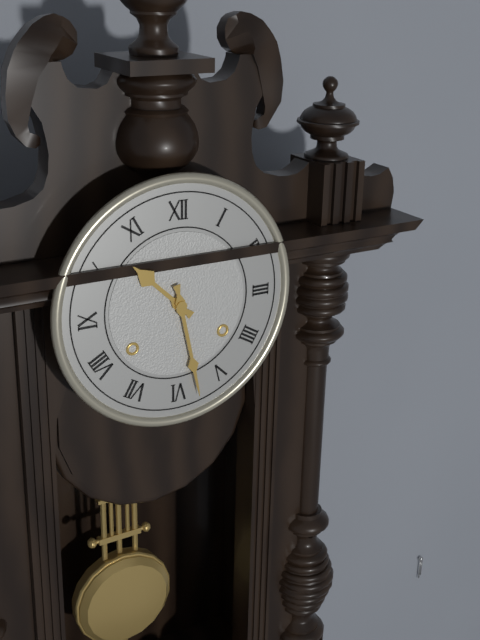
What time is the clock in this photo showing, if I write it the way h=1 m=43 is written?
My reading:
h=10 m=28
